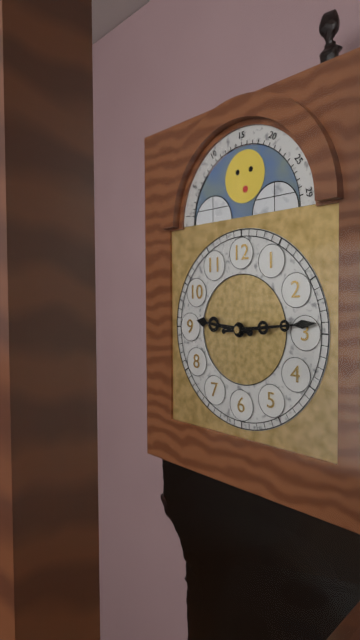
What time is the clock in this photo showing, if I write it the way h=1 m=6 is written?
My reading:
h=9 m=14
